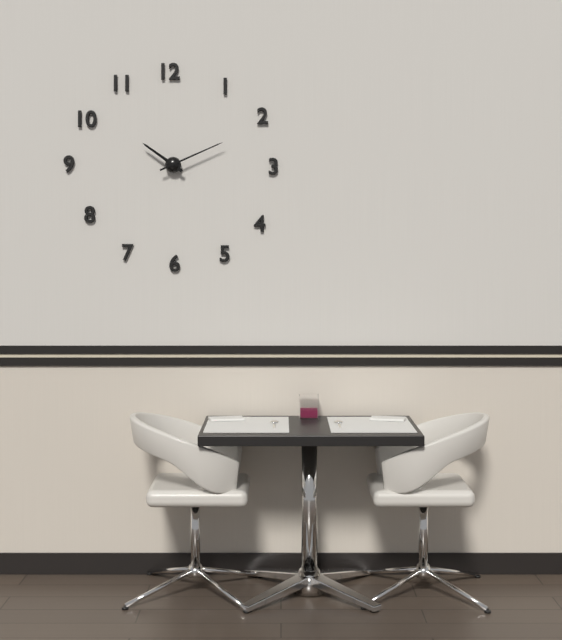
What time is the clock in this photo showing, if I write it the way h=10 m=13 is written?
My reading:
h=10 m=11
